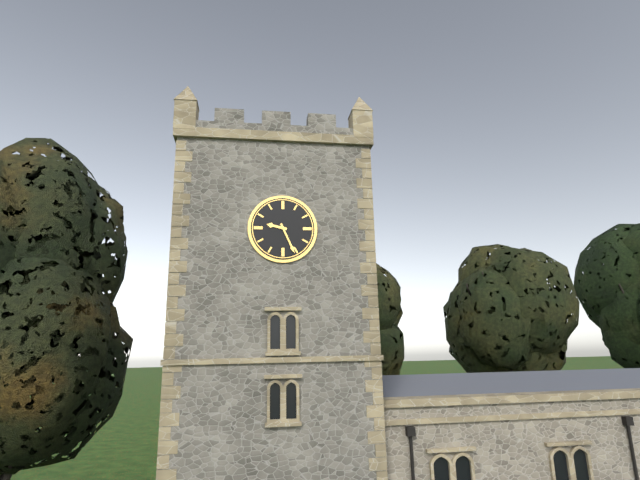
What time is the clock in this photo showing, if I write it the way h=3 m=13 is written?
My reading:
h=9 m=26
